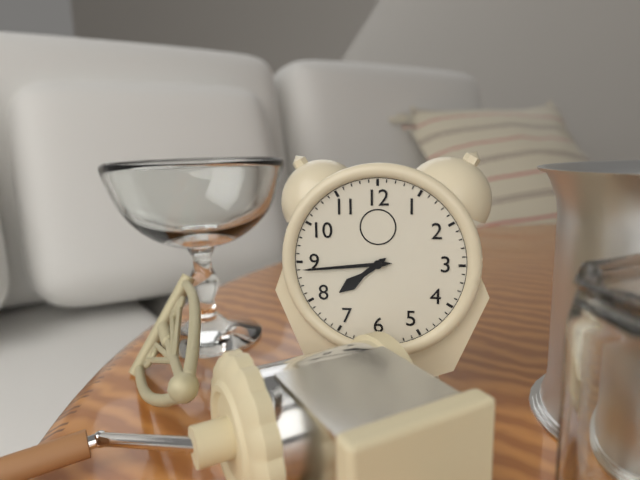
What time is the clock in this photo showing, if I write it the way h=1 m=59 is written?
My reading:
h=7 m=44
